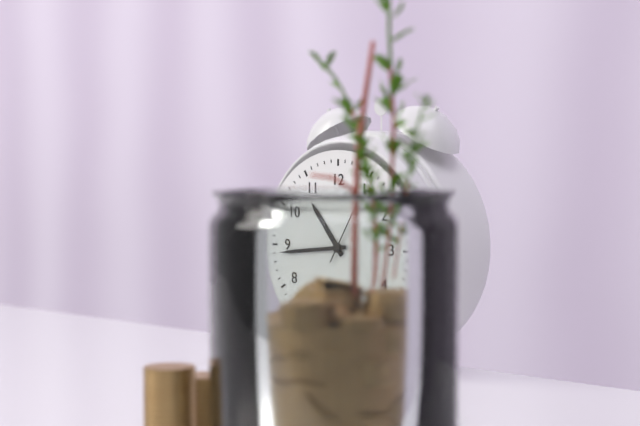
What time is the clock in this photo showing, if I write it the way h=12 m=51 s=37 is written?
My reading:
h=10 m=44 s=5
